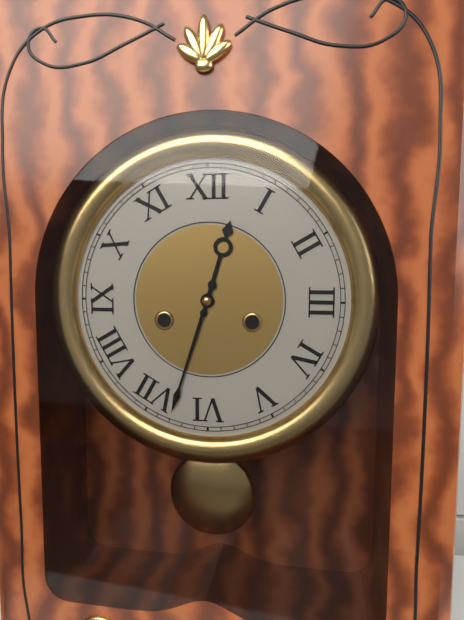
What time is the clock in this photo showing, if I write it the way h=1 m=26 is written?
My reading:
h=12 m=33
